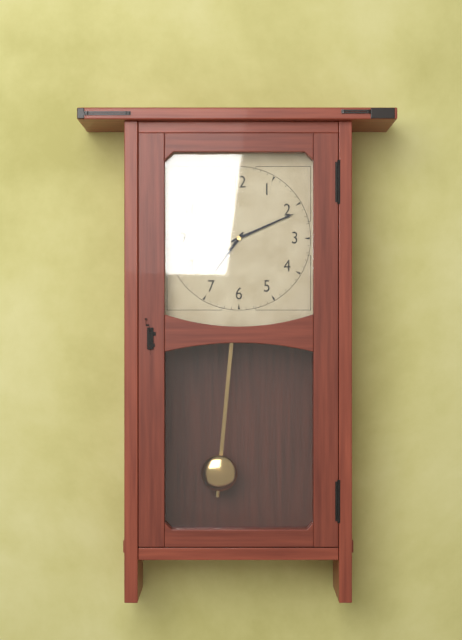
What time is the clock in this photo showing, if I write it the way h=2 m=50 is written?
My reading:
h=7 m=11
